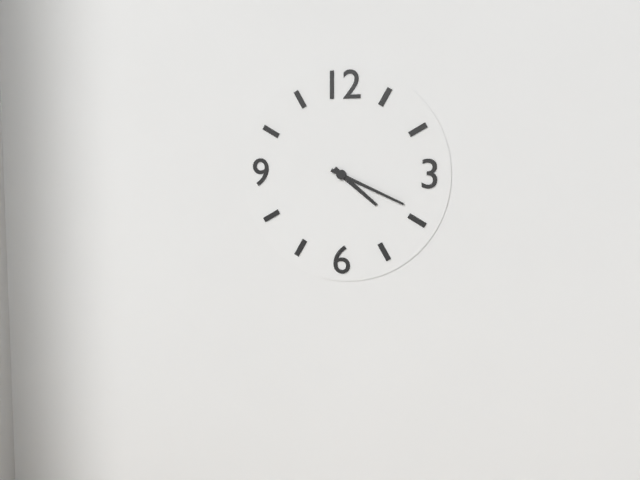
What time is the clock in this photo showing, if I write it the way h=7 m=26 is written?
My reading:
h=4 m=19
